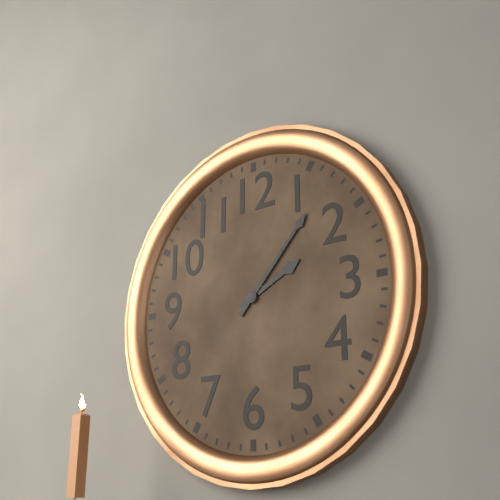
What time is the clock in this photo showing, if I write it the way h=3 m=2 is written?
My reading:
h=2 m=7
